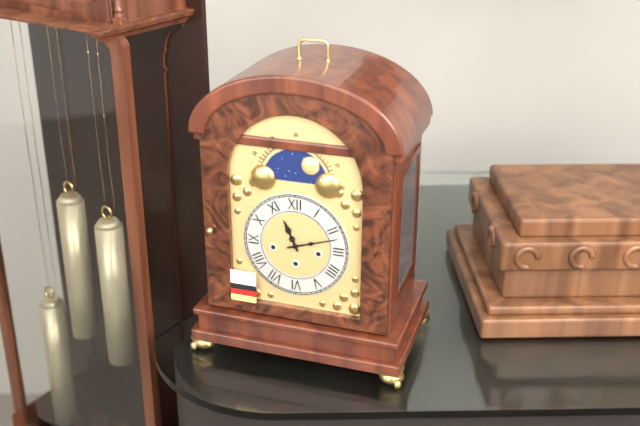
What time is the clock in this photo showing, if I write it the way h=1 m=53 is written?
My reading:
h=11 m=12
